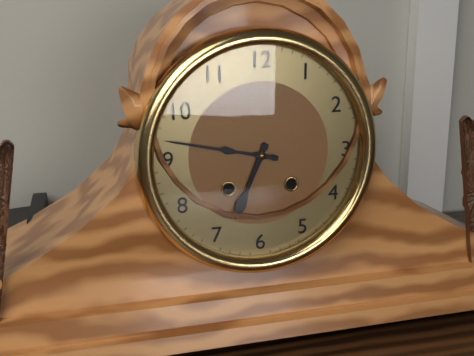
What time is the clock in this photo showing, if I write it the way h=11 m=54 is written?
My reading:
h=6 m=47
